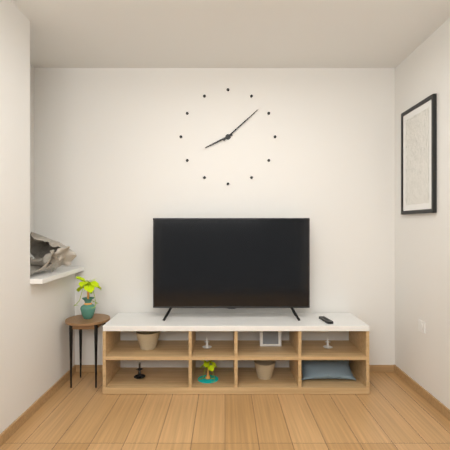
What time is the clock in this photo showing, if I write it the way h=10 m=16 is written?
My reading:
h=8 m=8
